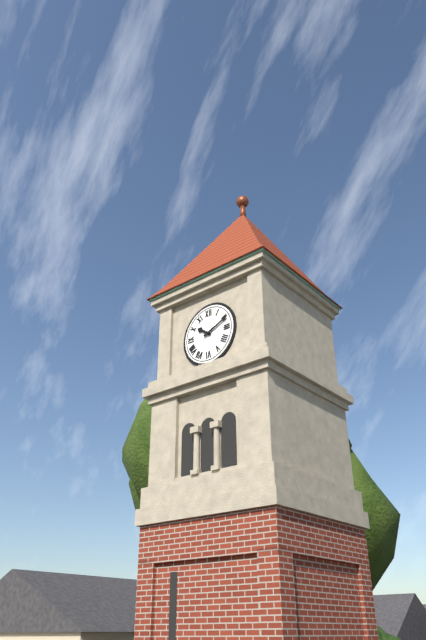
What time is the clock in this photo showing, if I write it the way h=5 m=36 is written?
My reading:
h=10 m=11
